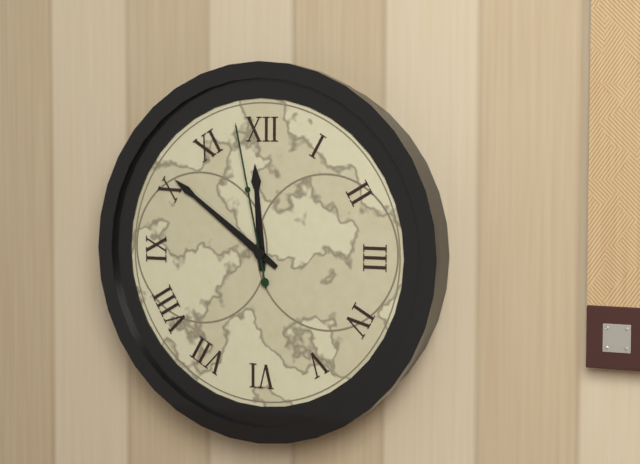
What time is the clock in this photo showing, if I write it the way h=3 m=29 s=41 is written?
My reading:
h=11 m=51 s=58
